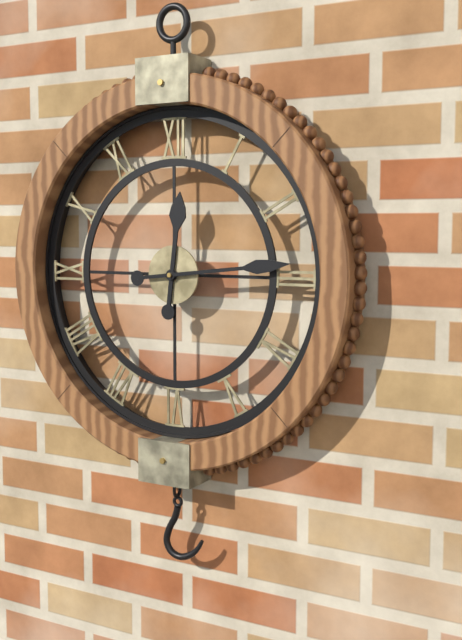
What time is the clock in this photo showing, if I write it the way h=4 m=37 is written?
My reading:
h=12 m=14
